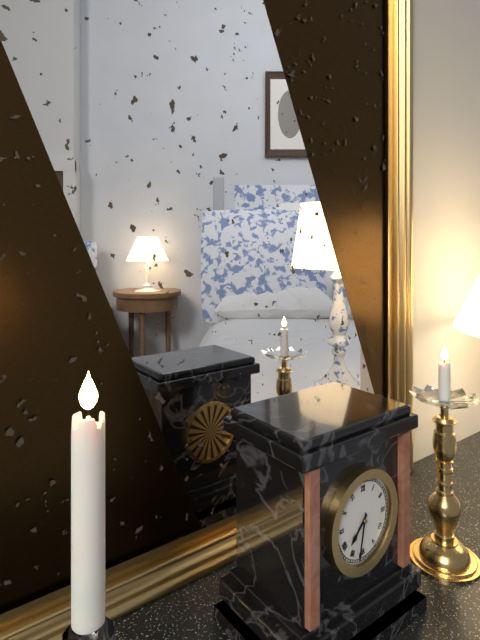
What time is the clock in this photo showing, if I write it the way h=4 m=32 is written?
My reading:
h=7 m=32
